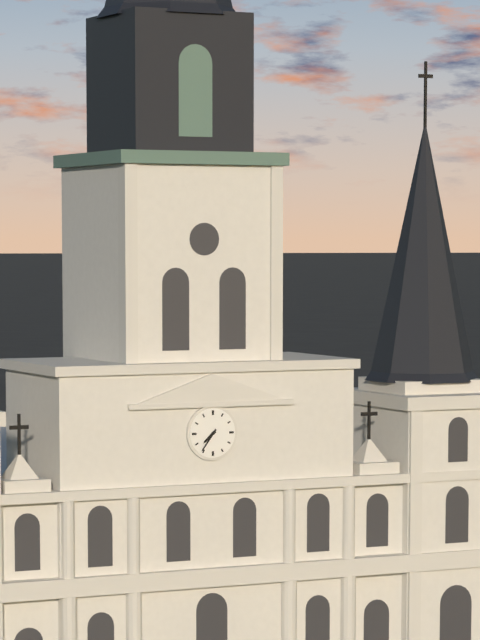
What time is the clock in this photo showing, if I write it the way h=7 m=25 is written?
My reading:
h=7 m=36
